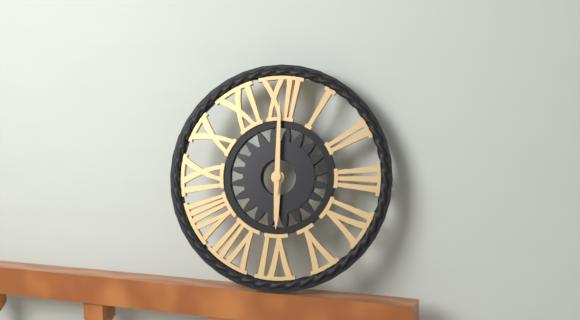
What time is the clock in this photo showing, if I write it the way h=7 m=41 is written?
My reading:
h=6 m=0
